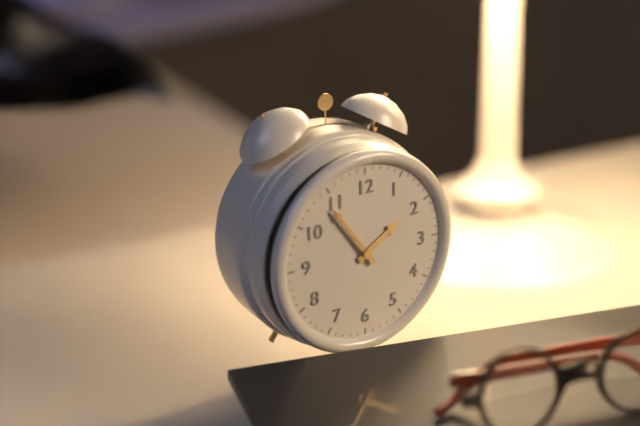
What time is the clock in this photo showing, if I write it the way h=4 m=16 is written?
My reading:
h=1 m=54
